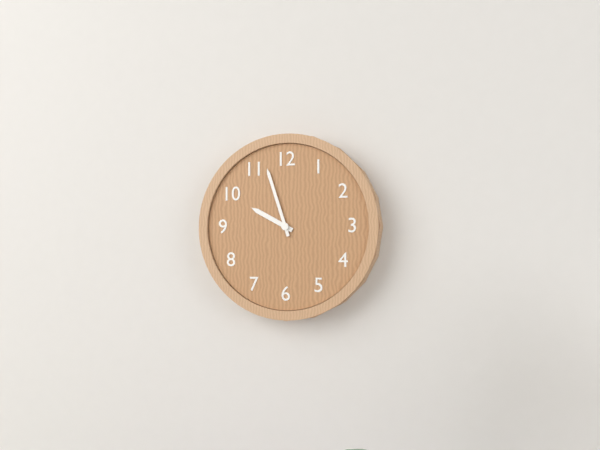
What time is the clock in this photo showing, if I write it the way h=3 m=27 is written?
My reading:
h=9 m=57
